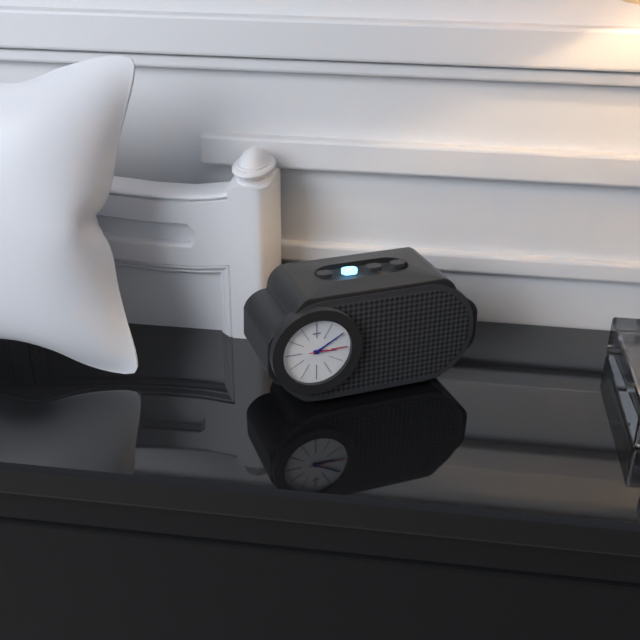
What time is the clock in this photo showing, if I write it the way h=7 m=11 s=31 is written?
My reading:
h=3 m=10 s=15
